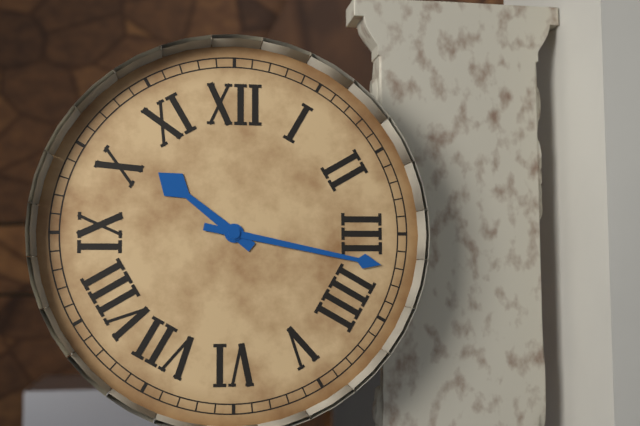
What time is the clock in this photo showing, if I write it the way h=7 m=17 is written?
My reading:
h=10 m=17
